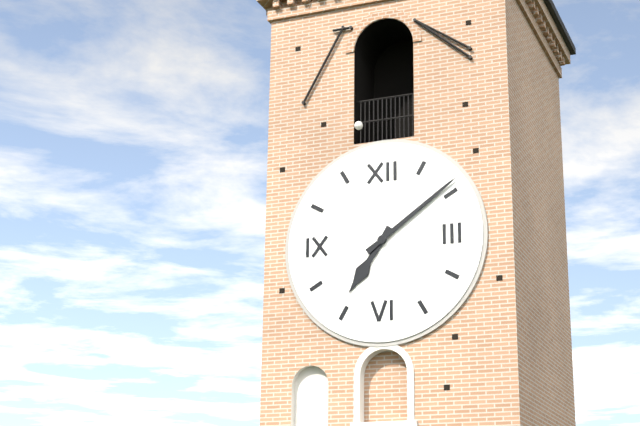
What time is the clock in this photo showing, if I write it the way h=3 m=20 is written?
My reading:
h=7 m=9
